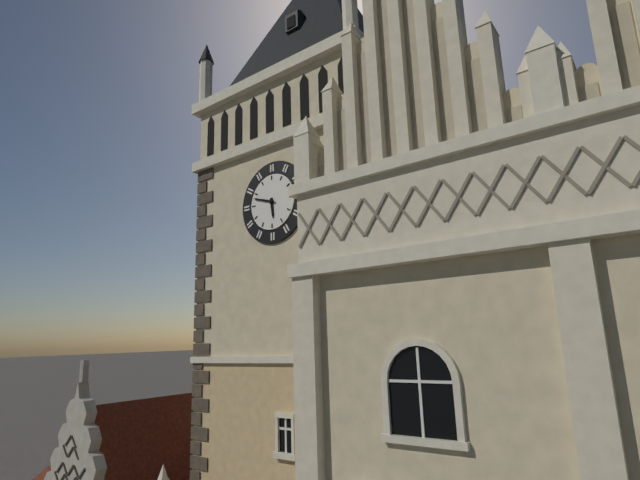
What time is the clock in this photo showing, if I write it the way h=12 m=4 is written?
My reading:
h=5 m=48
